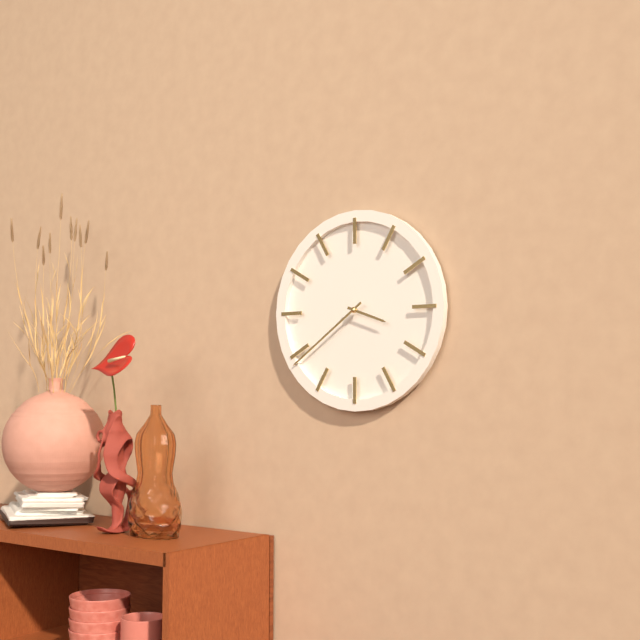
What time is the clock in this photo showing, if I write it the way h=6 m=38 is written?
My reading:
h=3 m=39
